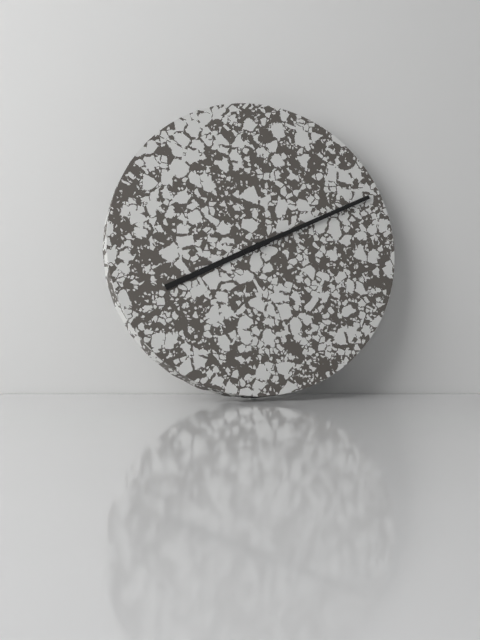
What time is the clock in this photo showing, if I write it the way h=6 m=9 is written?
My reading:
h=8 m=11
